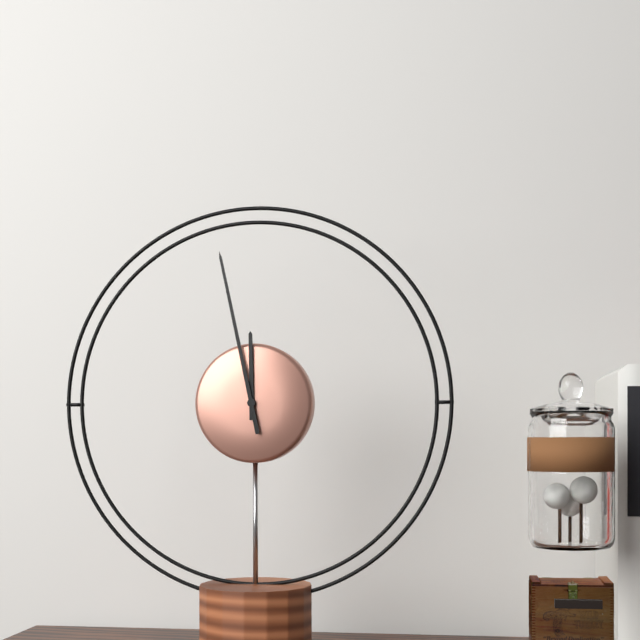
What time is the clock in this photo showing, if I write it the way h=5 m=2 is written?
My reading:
h=11 m=58
